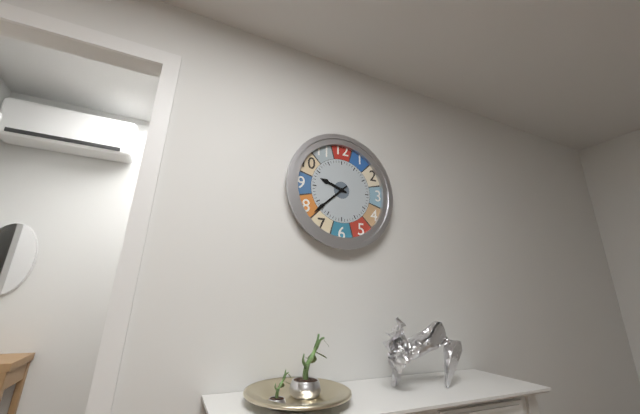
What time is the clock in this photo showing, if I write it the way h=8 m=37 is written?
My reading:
h=9 m=38
